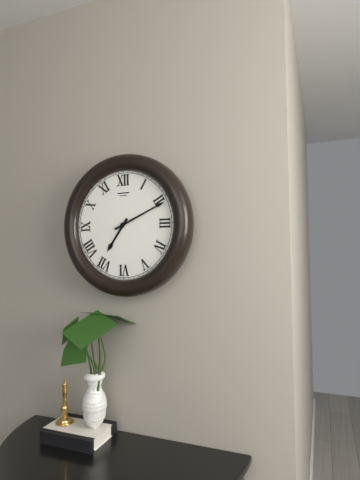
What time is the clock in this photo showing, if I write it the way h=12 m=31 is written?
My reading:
h=7 m=11
